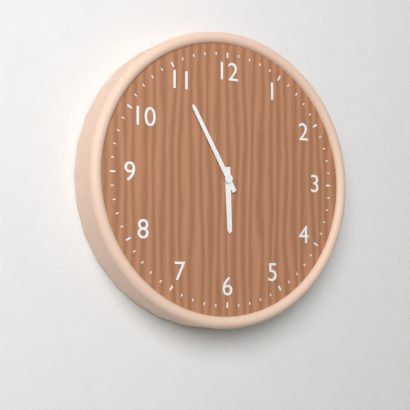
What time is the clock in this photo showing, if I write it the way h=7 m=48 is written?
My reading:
h=5 m=55
